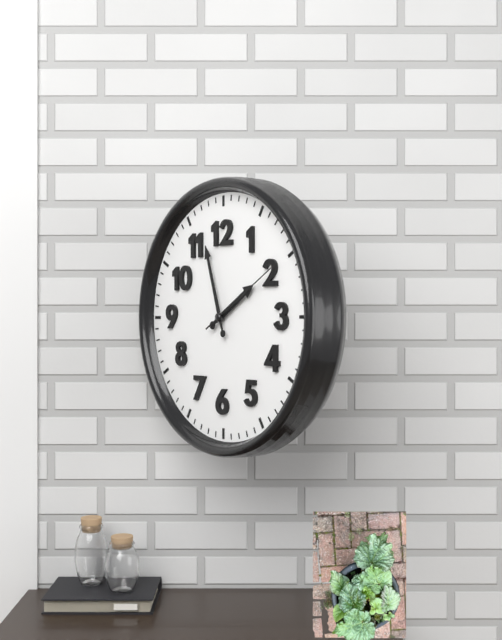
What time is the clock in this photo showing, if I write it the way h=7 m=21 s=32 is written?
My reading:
h=1 m=57 s=10
